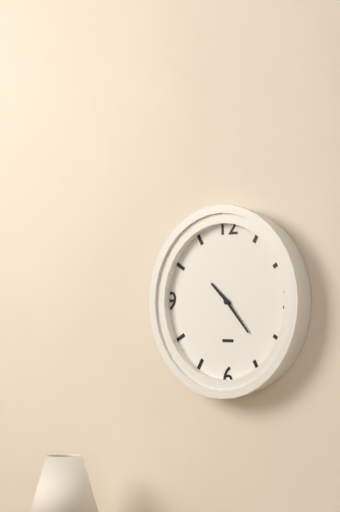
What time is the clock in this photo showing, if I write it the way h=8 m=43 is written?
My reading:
h=10 m=23
